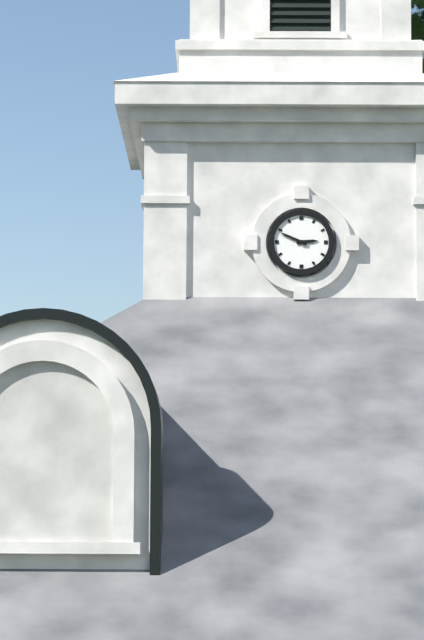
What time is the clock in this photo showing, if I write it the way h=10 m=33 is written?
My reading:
h=2 m=49
